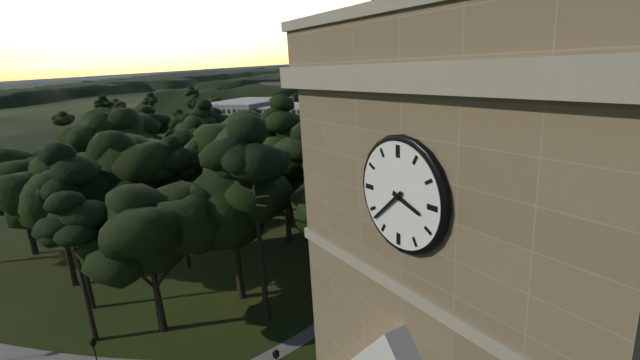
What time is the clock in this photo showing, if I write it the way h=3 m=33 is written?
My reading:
h=3 m=38
